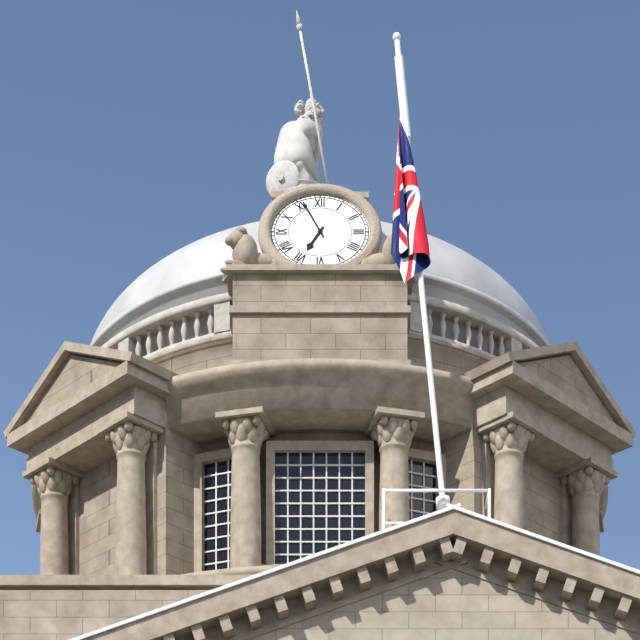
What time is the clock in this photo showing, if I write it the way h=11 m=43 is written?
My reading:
h=6 m=56
